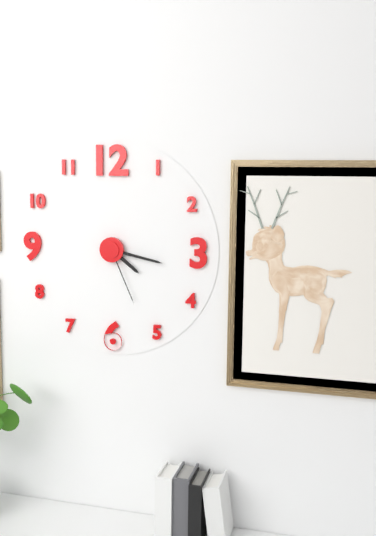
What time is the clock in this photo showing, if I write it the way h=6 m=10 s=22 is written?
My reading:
h=4 m=17 s=26
